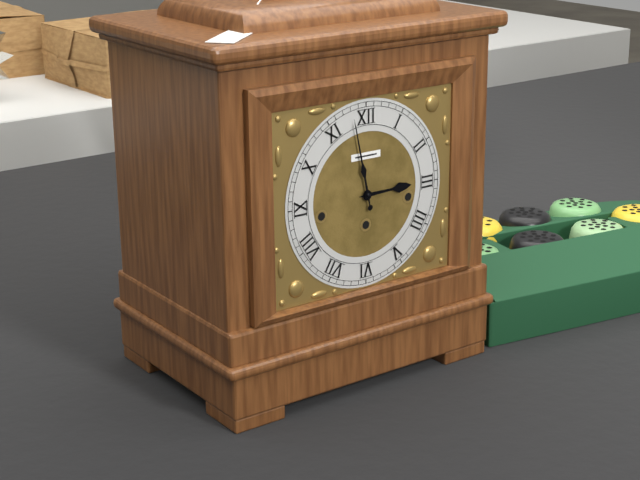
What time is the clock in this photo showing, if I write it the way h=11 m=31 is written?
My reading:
h=2 m=58
